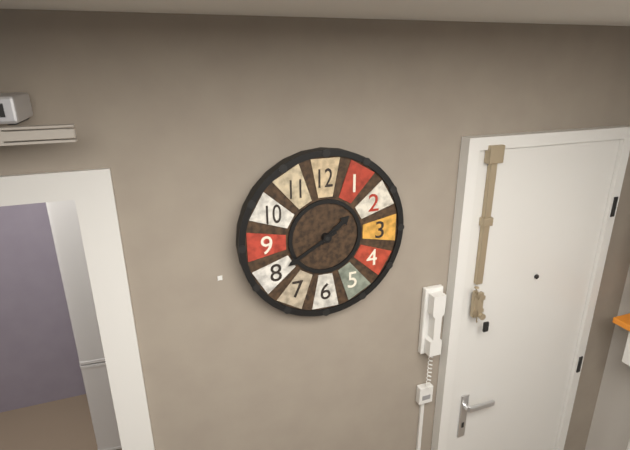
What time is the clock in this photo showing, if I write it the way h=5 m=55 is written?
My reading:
h=1 m=40
